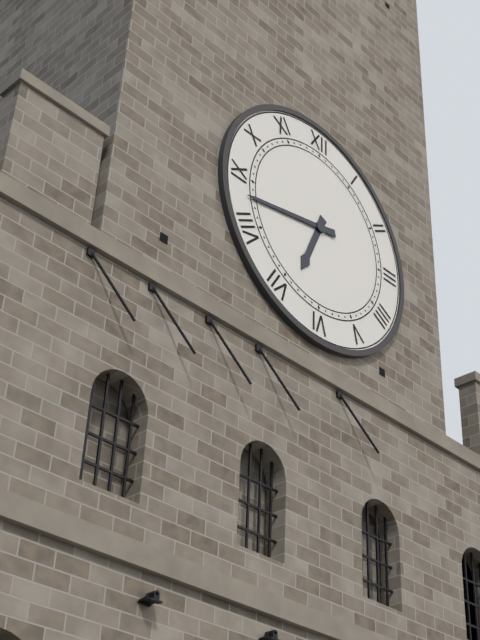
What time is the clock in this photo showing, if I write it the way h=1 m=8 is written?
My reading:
h=6 m=43
